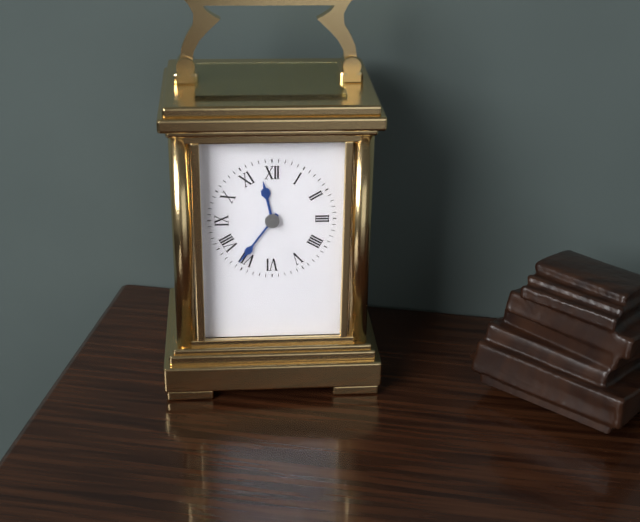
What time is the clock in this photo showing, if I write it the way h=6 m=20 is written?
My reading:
h=11 m=36
